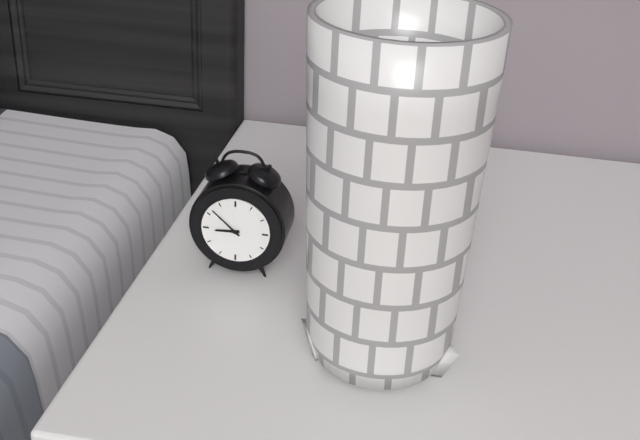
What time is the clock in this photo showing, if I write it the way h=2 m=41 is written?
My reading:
h=8 m=52
